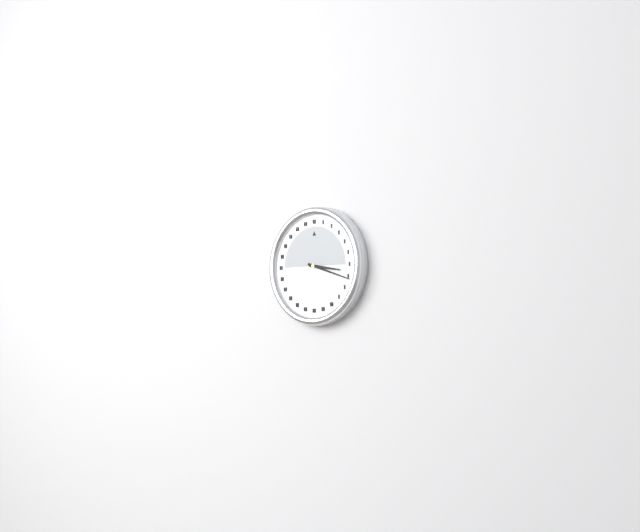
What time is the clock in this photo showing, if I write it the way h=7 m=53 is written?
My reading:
h=3 m=18
